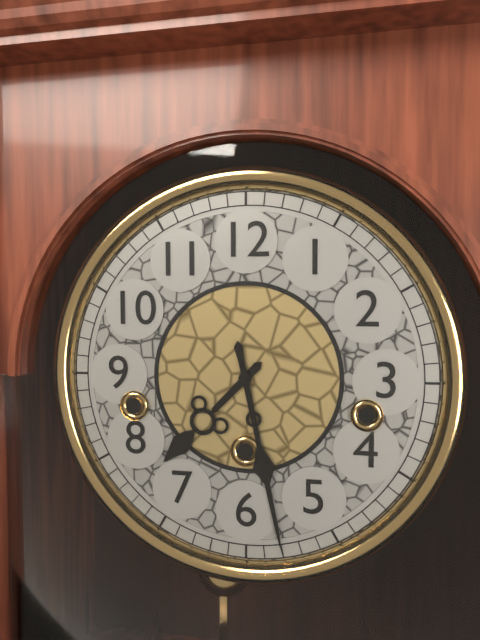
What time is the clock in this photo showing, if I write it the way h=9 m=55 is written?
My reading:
h=7 m=28
